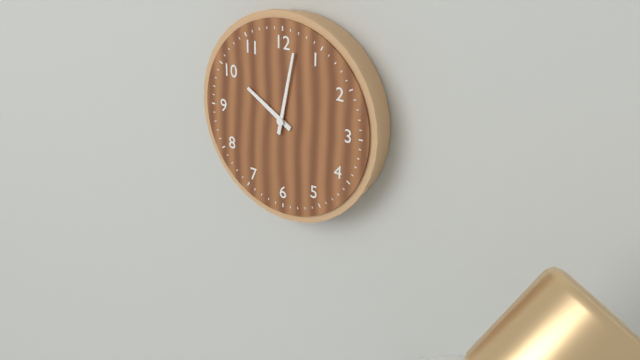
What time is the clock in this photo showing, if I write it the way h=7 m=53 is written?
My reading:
h=10 m=2
